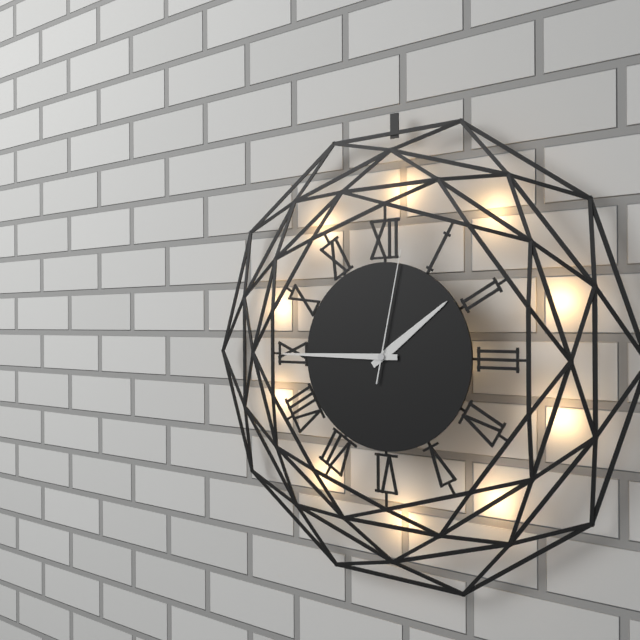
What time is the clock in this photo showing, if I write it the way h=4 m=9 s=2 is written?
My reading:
h=1 m=45 s=2
